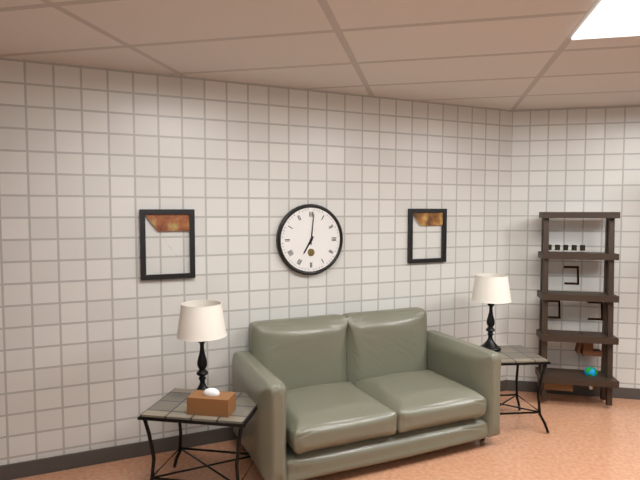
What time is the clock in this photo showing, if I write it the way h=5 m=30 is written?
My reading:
h=7 m=1
